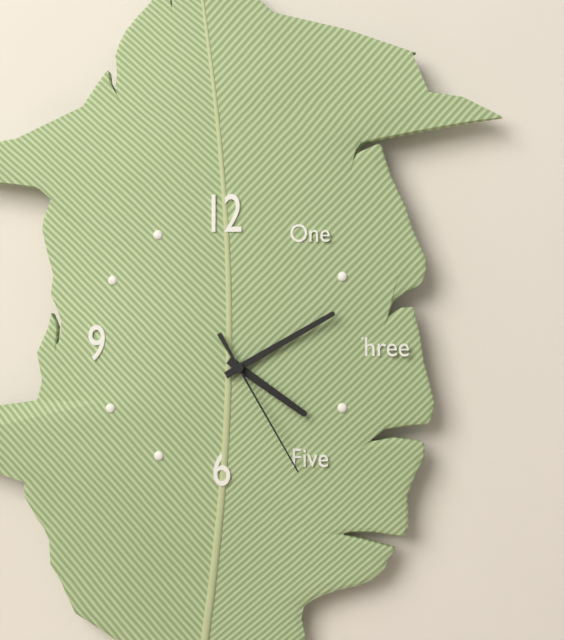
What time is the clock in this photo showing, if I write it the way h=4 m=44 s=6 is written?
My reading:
h=4 m=10 s=25
